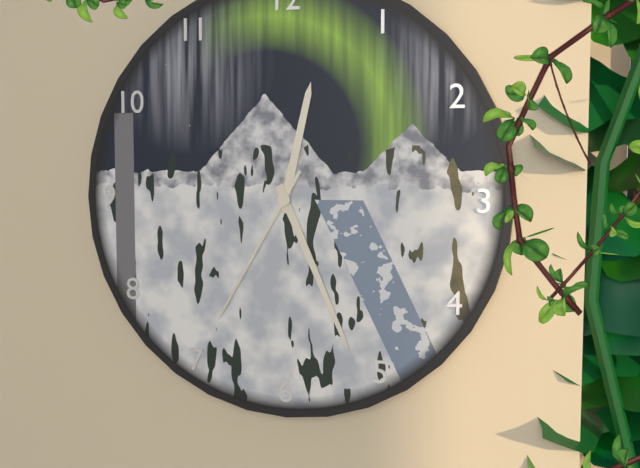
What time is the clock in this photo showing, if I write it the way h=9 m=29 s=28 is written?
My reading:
h=12 m=26 s=35
